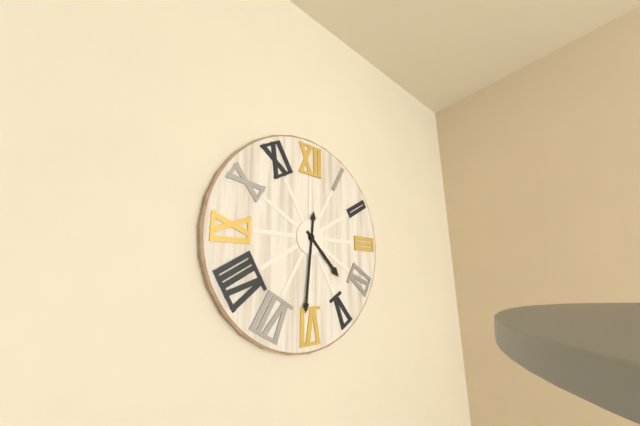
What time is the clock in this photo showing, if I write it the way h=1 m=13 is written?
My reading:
h=4 m=31
